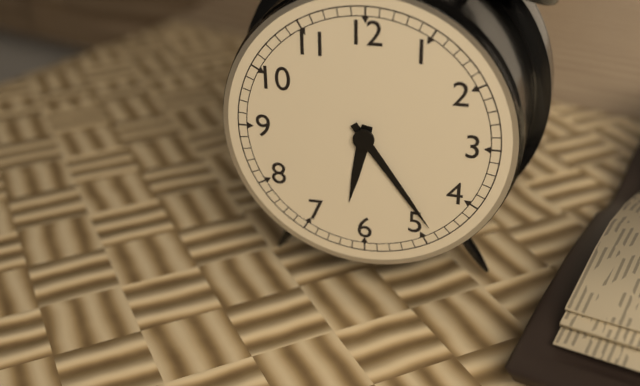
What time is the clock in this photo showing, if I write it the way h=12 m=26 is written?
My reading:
h=6 m=24
